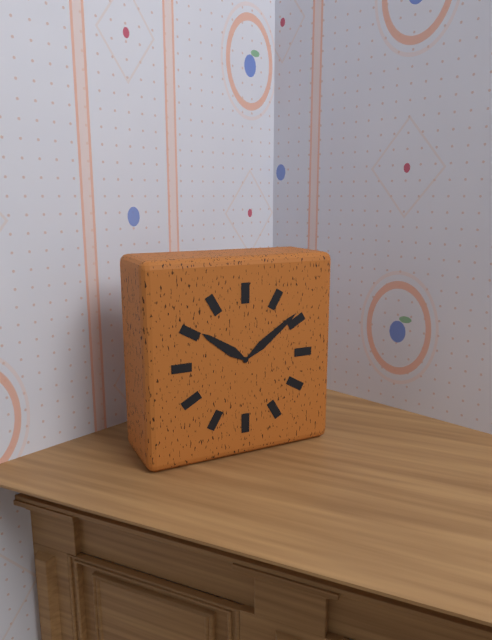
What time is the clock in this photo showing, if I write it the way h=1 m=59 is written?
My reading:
h=10 m=9
